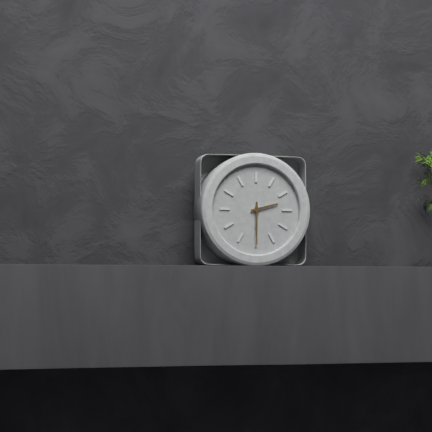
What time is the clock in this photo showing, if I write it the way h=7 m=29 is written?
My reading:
h=2 m=30
